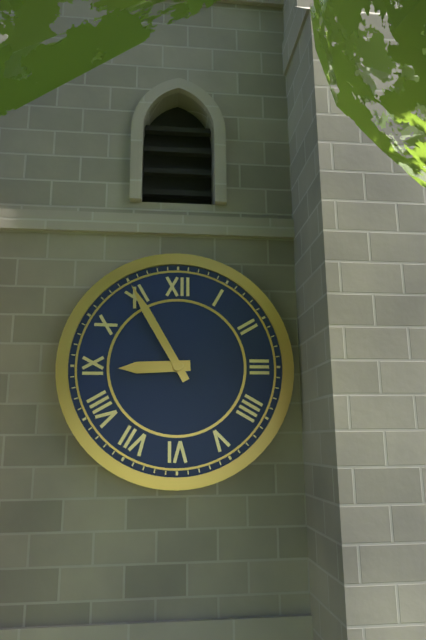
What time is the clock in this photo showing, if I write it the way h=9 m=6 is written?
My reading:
h=8 m=55
